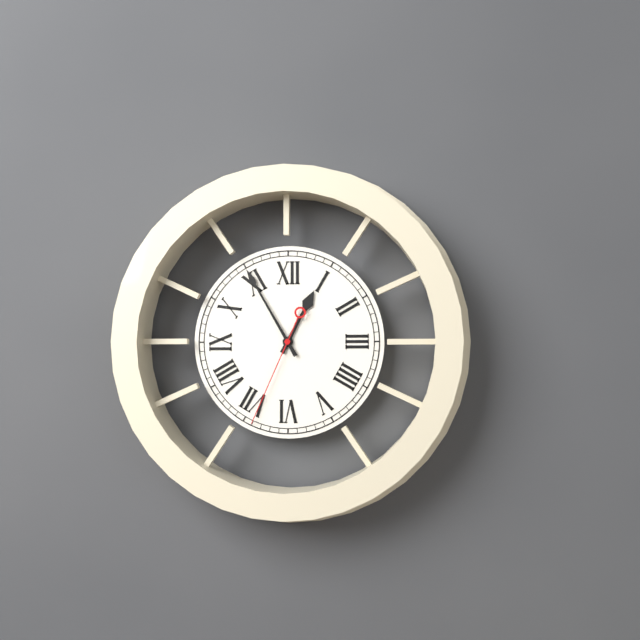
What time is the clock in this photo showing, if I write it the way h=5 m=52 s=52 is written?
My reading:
h=12 m=55 s=34
